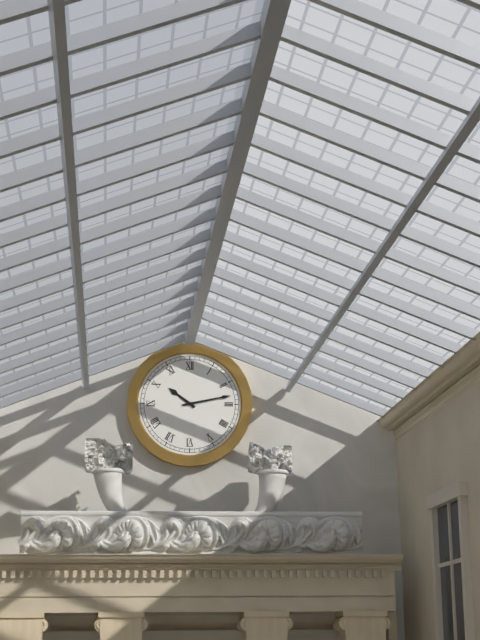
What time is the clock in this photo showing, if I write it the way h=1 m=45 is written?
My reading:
h=10 m=13
